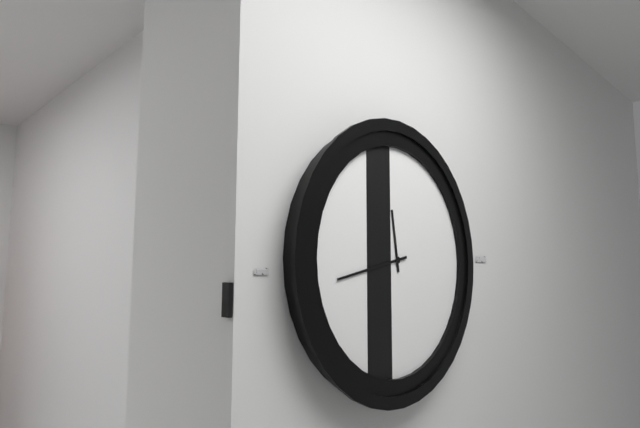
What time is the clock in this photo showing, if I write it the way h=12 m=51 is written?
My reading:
h=11 m=43
